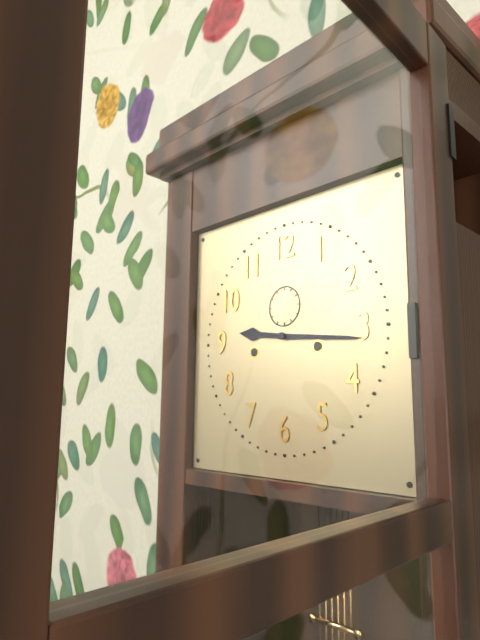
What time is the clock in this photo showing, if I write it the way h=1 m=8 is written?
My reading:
h=9 m=16
